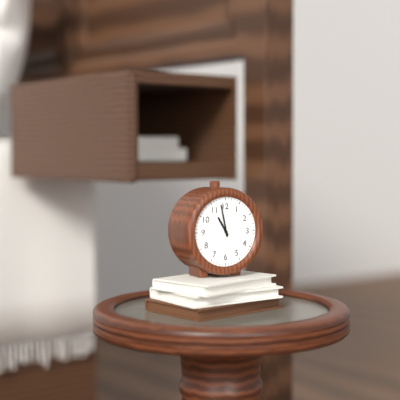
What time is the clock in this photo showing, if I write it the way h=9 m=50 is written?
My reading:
h=10 m=58
